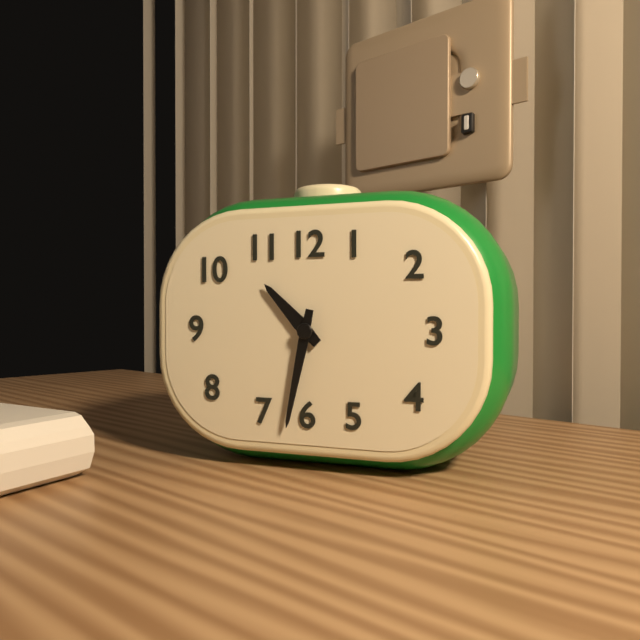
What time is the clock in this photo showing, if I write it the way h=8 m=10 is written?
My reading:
h=10 m=32
